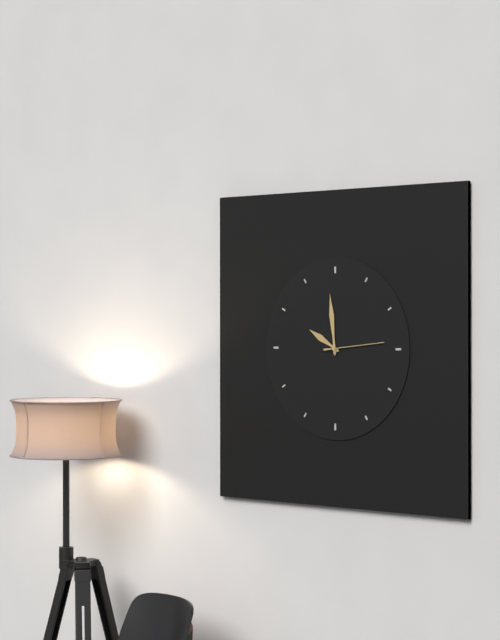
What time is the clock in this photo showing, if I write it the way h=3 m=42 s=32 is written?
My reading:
h=9 m=59 s=14
